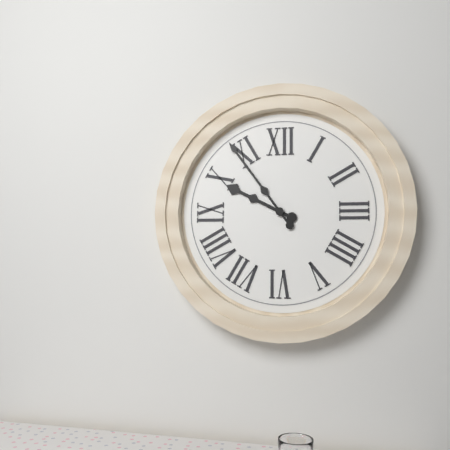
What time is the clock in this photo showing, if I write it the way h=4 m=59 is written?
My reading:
h=9 m=54
